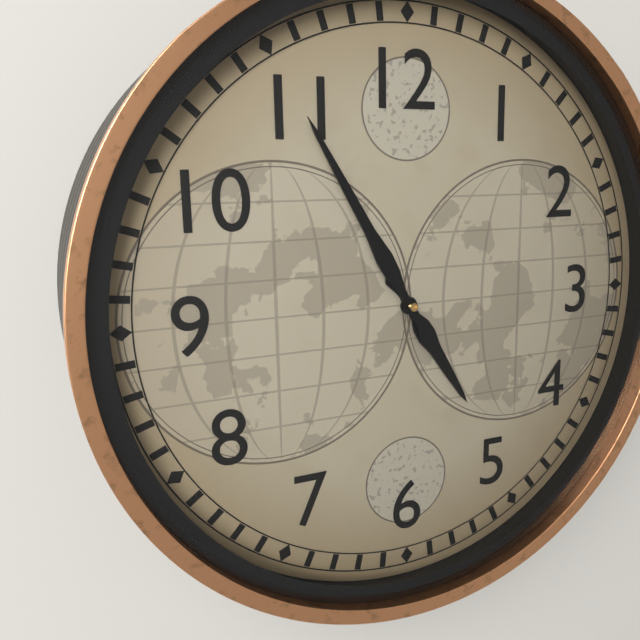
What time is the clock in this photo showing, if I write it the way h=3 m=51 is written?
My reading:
h=4 m=55
